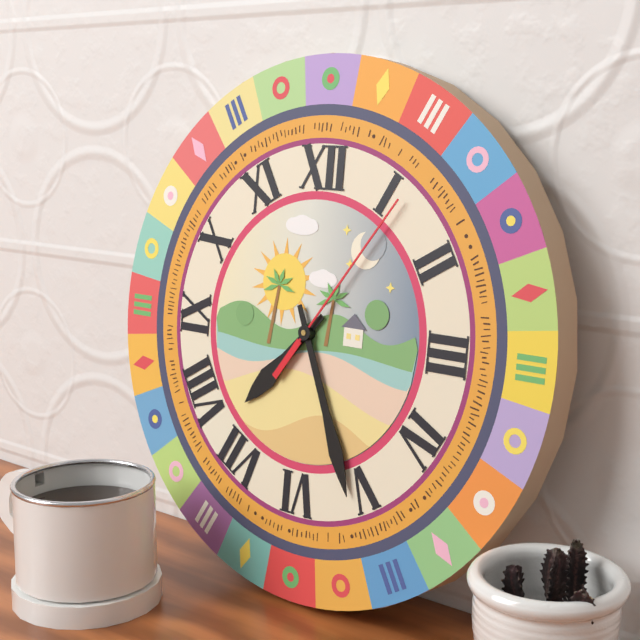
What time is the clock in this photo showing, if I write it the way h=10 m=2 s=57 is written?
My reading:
h=7 m=26 s=6
